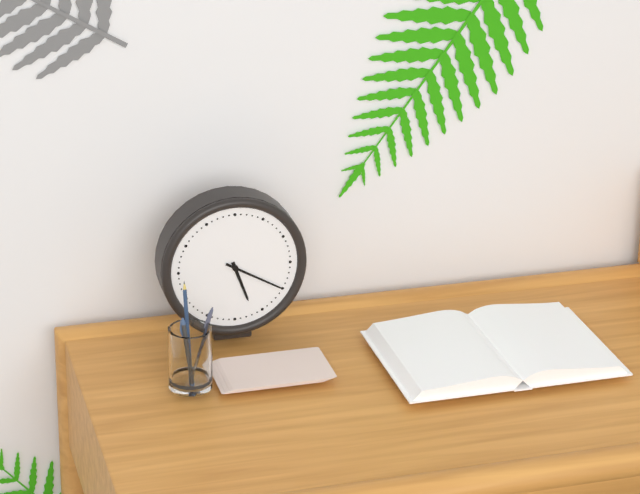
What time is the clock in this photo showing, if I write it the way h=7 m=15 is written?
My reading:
h=5 m=20
